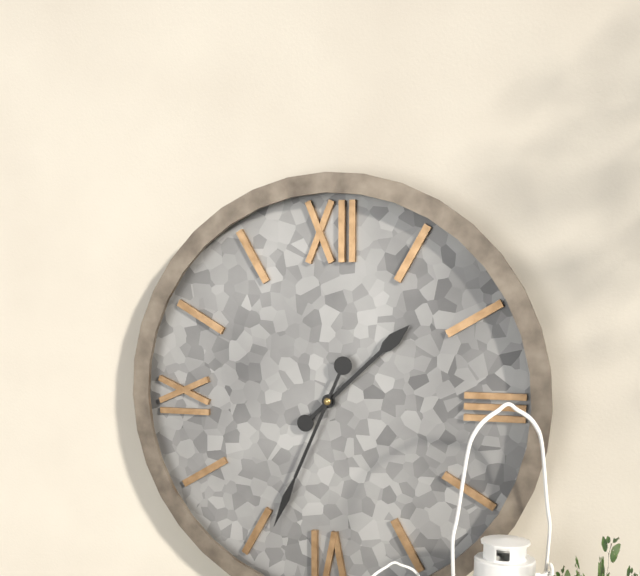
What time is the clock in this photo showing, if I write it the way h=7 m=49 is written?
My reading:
h=1 m=34
